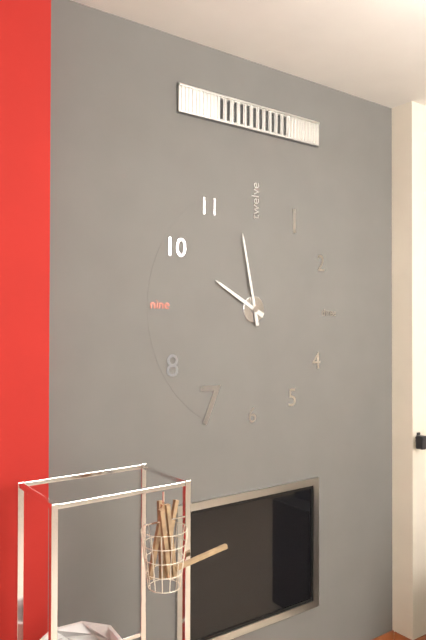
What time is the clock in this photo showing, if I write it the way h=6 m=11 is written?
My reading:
h=9 m=58
